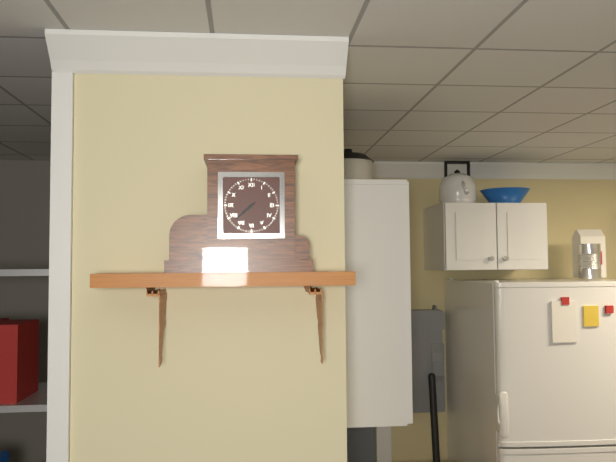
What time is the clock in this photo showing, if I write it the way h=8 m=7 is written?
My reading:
h=7 m=38
